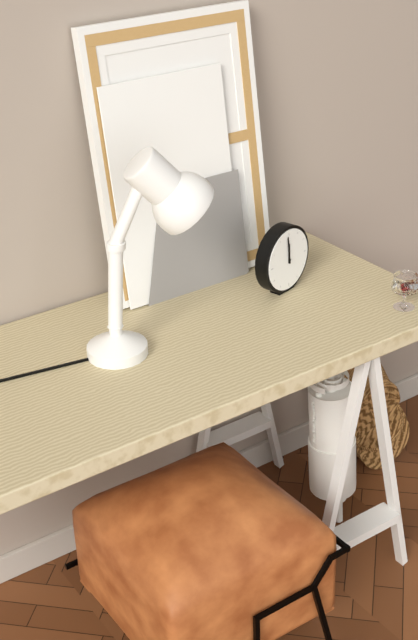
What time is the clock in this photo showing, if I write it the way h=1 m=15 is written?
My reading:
h=11 m=59
